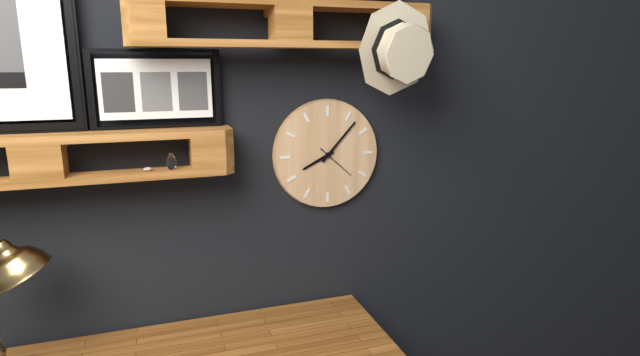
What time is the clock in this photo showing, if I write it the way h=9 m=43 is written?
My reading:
h=8 m=7
